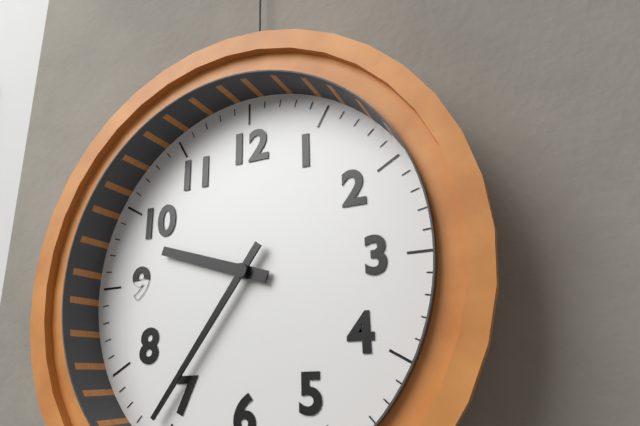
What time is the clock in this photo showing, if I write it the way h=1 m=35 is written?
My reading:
h=9 m=36
